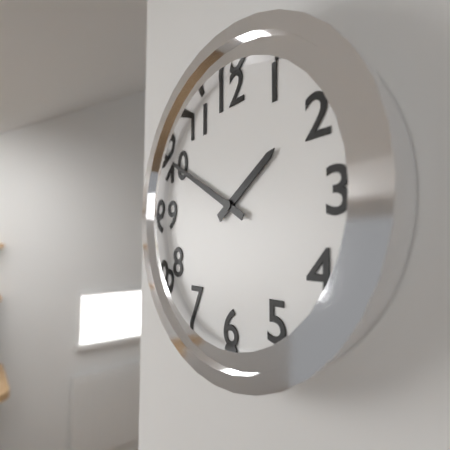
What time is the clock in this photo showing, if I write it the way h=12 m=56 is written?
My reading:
h=1 m=50
